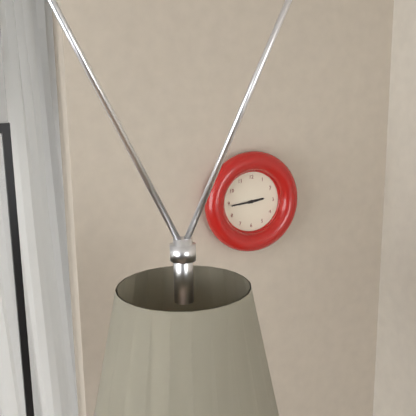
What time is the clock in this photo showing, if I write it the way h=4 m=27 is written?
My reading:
h=2 m=44
